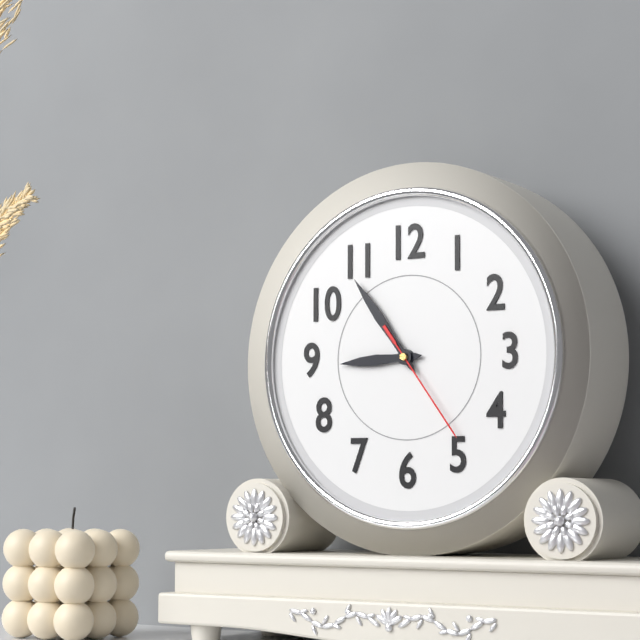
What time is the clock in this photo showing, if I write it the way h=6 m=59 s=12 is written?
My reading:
h=8 m=54 s=24
